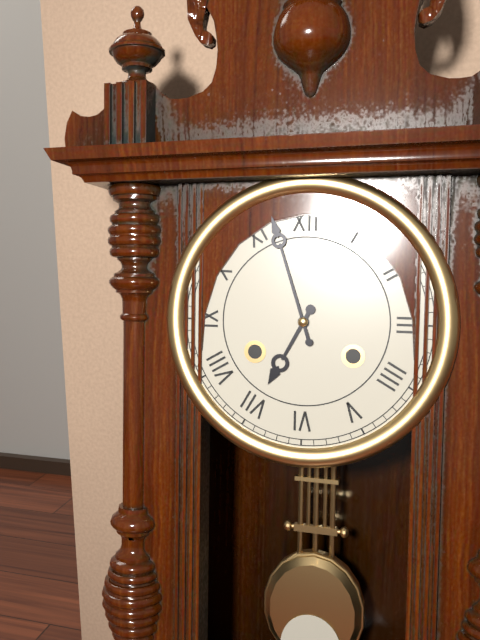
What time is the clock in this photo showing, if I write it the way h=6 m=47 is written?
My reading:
h=6 m=57
